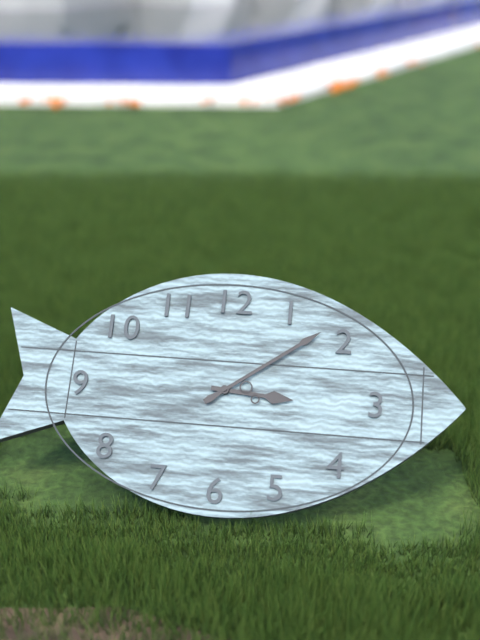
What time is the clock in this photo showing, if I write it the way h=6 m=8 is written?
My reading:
h=3 m=9
